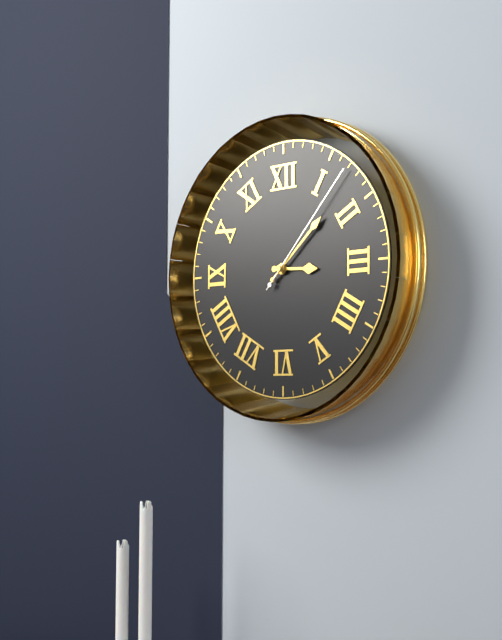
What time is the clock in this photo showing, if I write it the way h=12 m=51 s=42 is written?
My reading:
h=3 m=8 s=7
